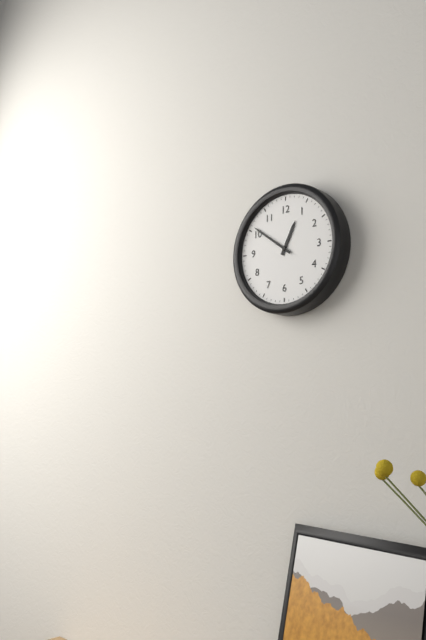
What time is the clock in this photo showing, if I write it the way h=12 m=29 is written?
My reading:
h=12 m=51
